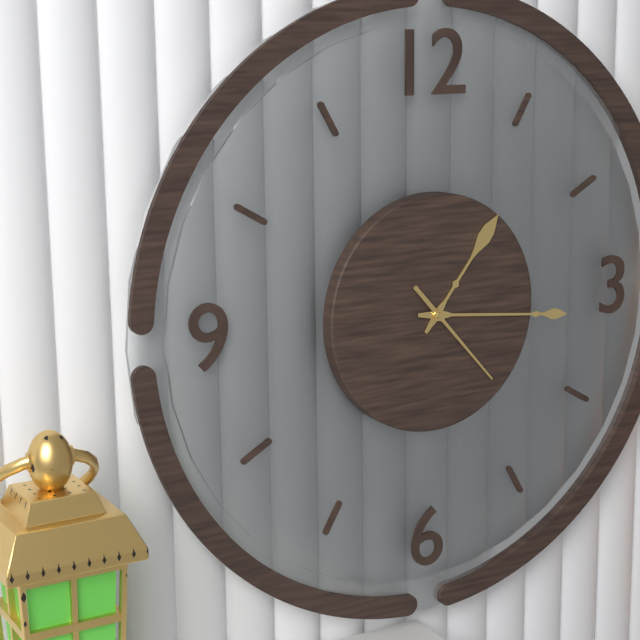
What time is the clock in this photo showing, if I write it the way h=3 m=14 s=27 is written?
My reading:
h=1 m=16 s=23
